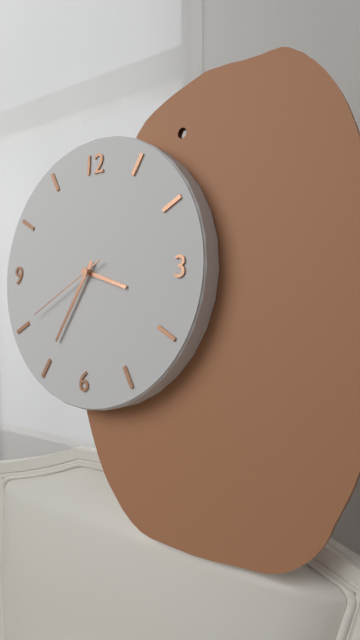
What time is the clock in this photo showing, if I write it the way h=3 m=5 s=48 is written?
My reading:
h=3 m=35 s=40
